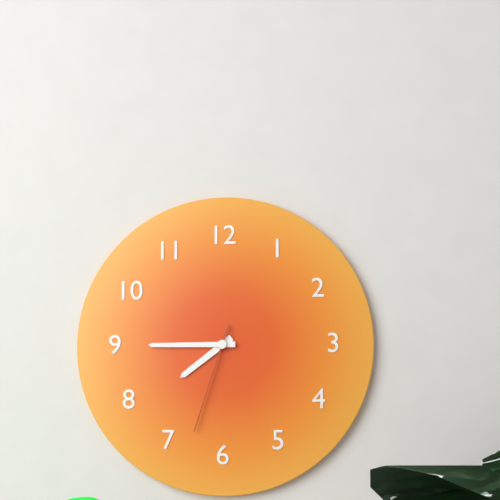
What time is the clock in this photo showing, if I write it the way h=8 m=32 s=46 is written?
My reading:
h=7 m=45 s=33
